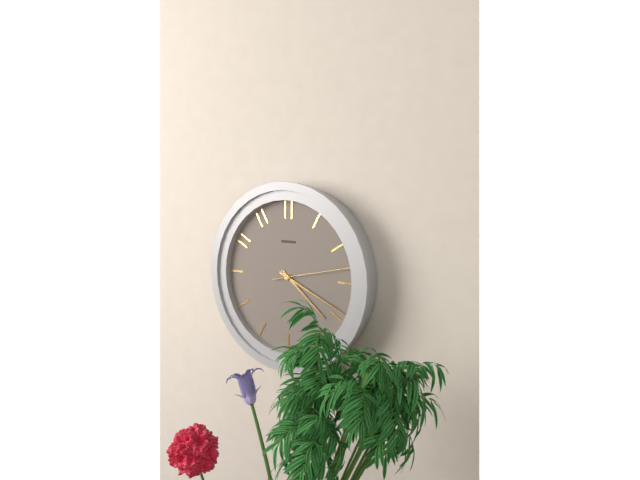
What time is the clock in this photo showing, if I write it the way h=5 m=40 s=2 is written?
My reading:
h=4 m=19 s=13
